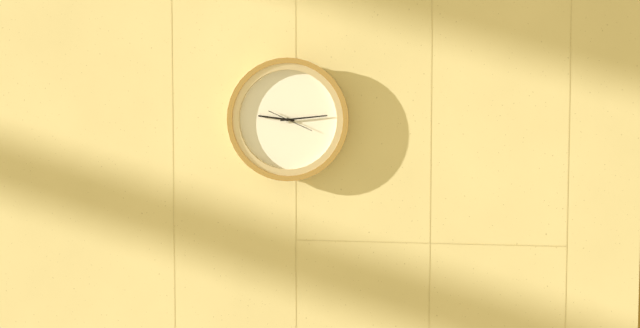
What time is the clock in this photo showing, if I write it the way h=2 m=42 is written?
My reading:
h=9 m=14
